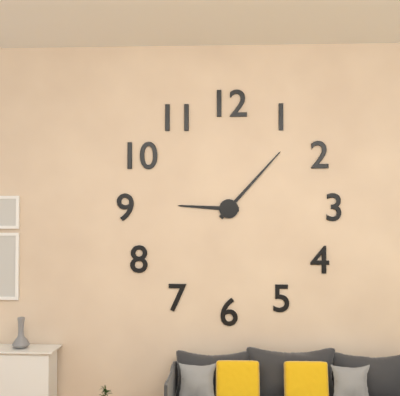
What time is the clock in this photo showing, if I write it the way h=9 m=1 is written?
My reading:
h=9 m=7
